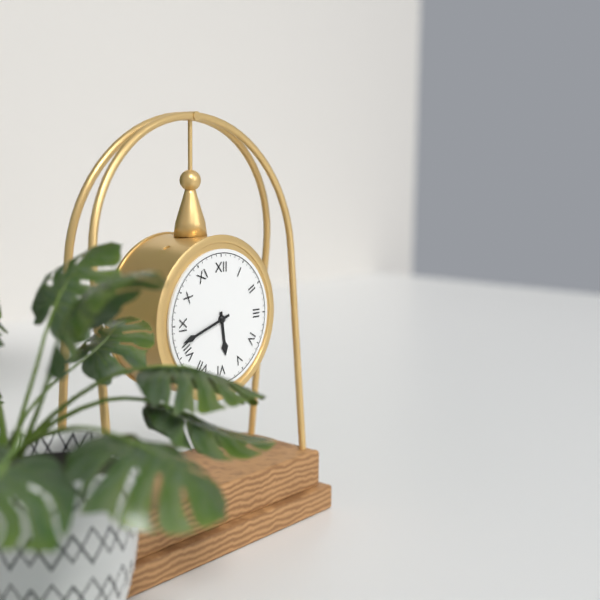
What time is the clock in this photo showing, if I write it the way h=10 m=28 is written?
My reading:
h=5 m=42
